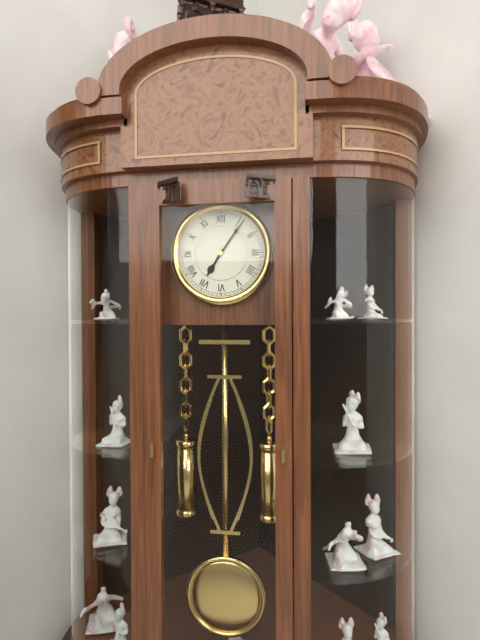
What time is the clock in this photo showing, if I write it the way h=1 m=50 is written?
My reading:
h=7 m=6
